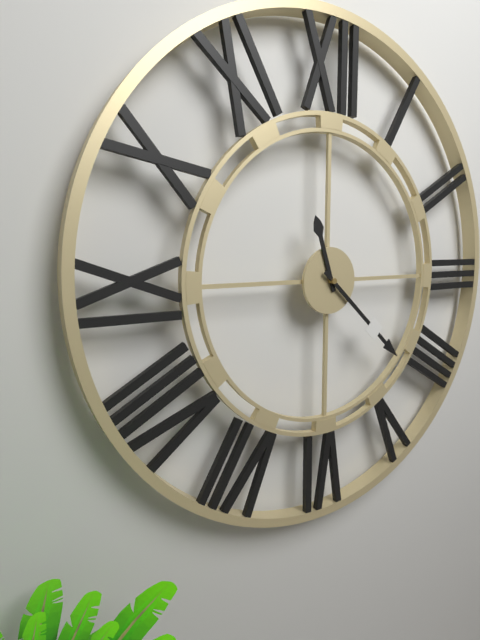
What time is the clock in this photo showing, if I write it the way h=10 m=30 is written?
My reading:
h=11 m=22
